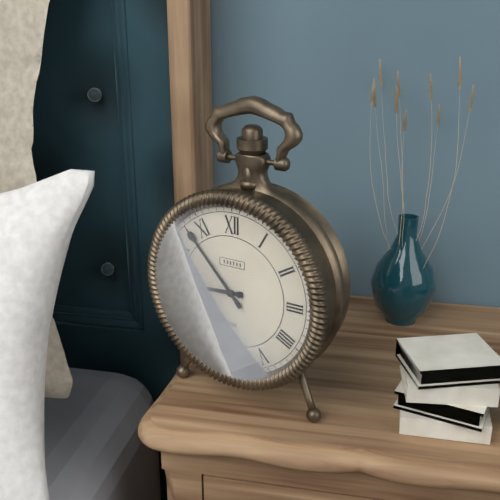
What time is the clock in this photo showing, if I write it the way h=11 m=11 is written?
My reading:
h=8 m=53
